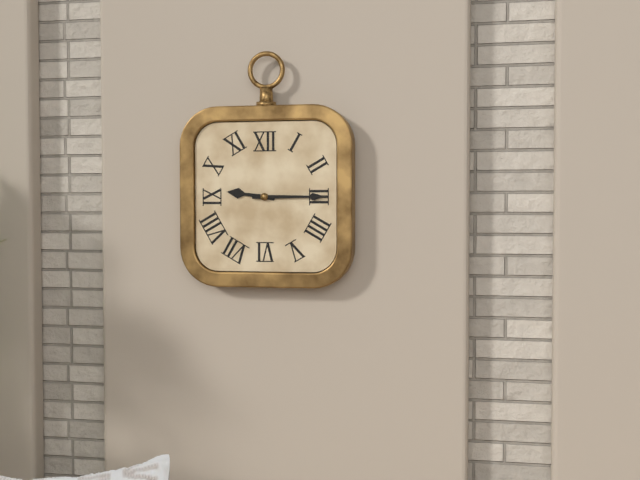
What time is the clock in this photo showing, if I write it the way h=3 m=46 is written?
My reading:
h=9 m=15
